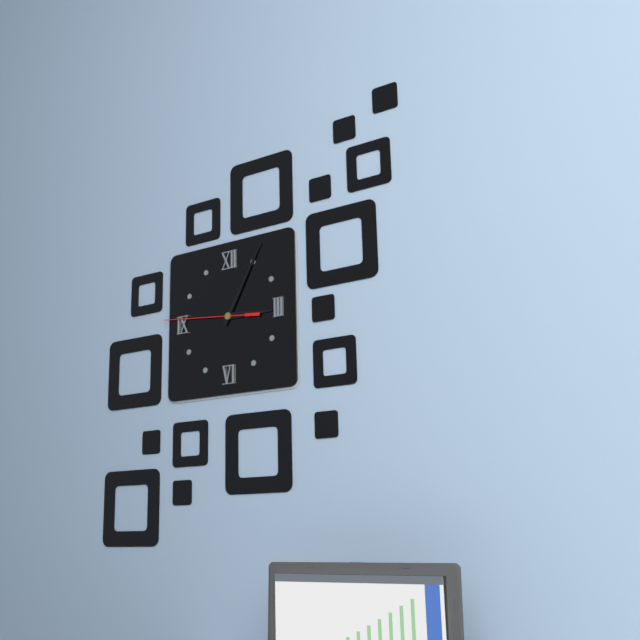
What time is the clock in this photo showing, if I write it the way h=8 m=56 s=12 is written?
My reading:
h=3 m=5 s=46
